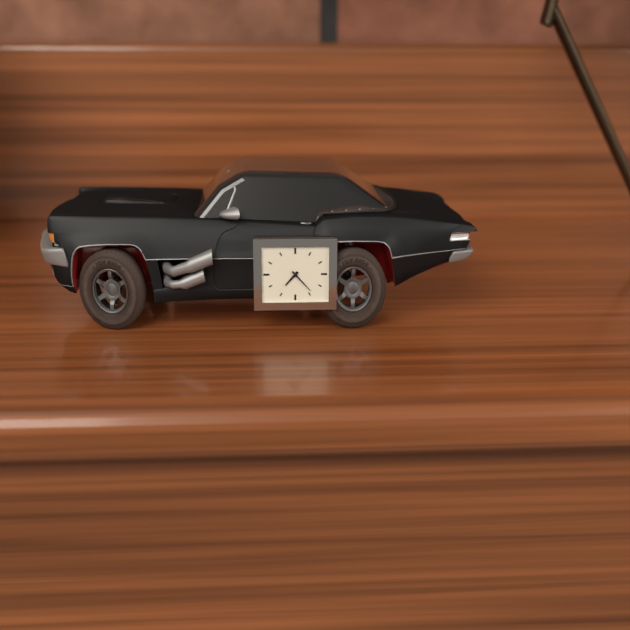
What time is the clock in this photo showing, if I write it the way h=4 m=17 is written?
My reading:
h=7 m=23
